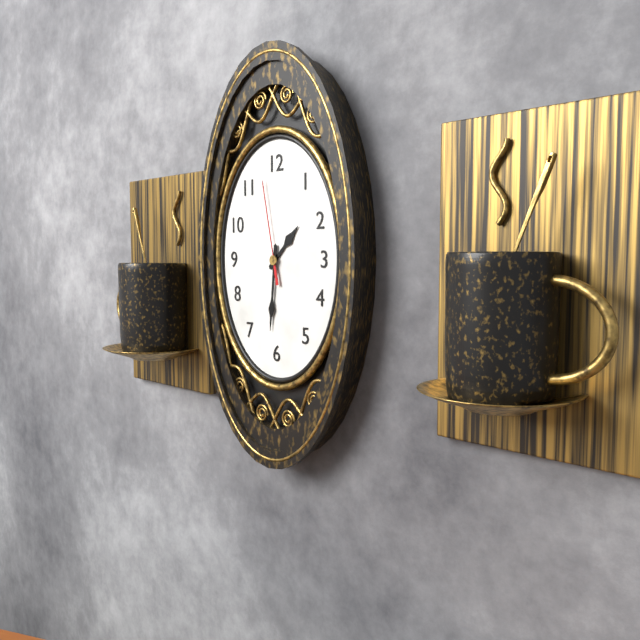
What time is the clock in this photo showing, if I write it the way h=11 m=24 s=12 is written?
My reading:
h=1 m=31 s=58
